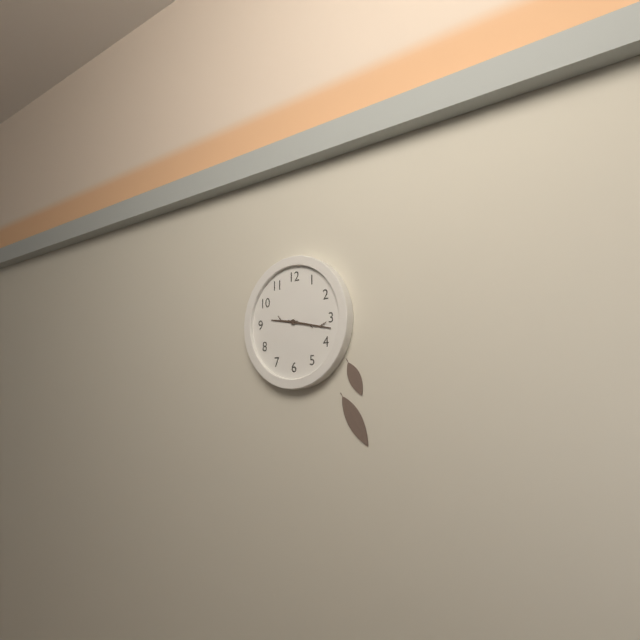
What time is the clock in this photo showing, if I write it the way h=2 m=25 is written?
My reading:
h=9 m=17
